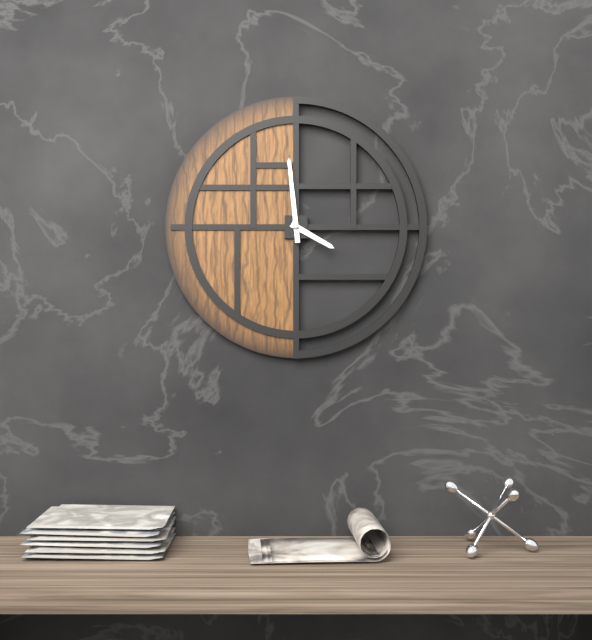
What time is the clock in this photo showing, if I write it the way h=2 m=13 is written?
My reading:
h=3 m=59
